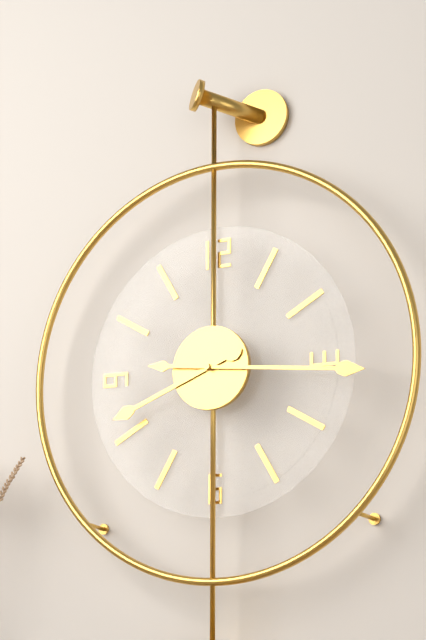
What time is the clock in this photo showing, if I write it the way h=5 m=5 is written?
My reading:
h=8 m=16
